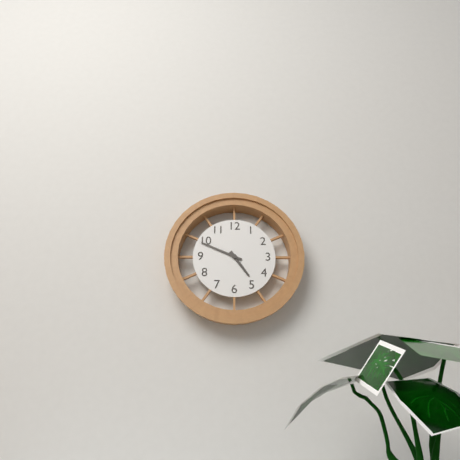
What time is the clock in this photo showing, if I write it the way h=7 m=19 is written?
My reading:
h=4 m=49
